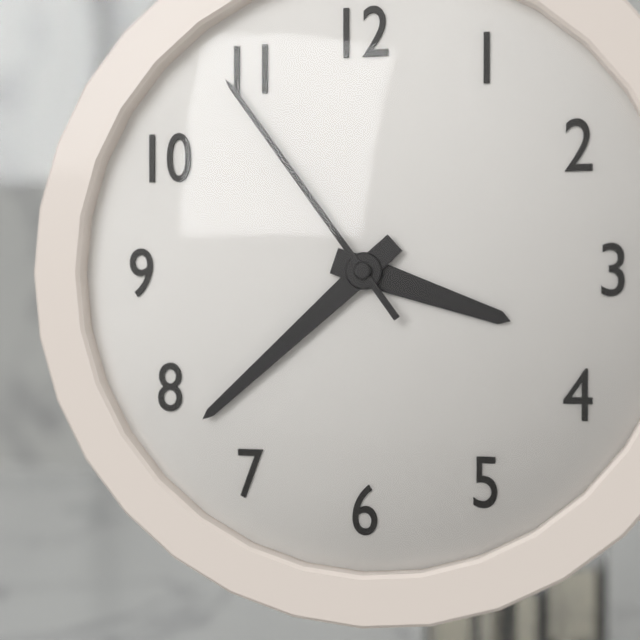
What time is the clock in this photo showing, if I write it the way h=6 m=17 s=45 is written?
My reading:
h=3 m=38 s=54
